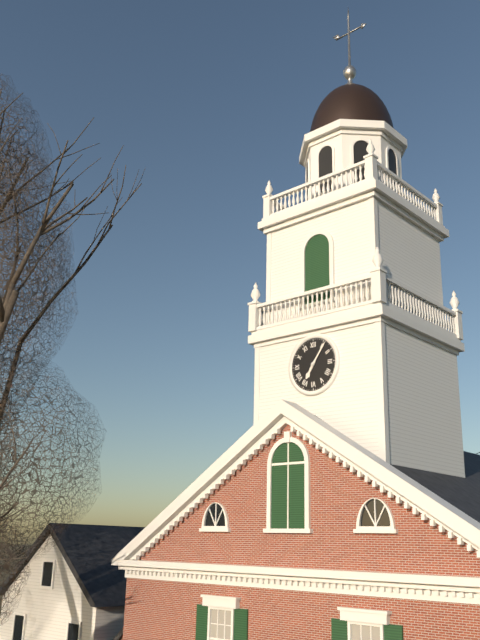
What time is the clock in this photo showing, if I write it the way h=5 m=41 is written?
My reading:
h=7 m=6
